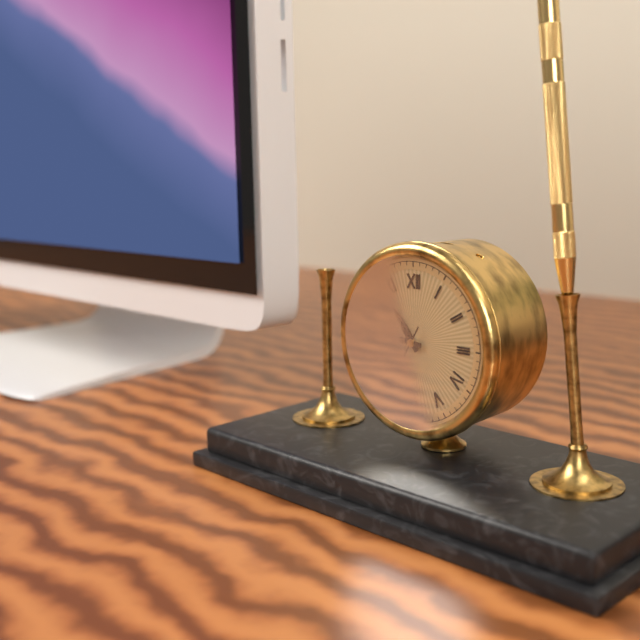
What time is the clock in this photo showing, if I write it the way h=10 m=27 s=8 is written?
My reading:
h=10 m=46 s=35
